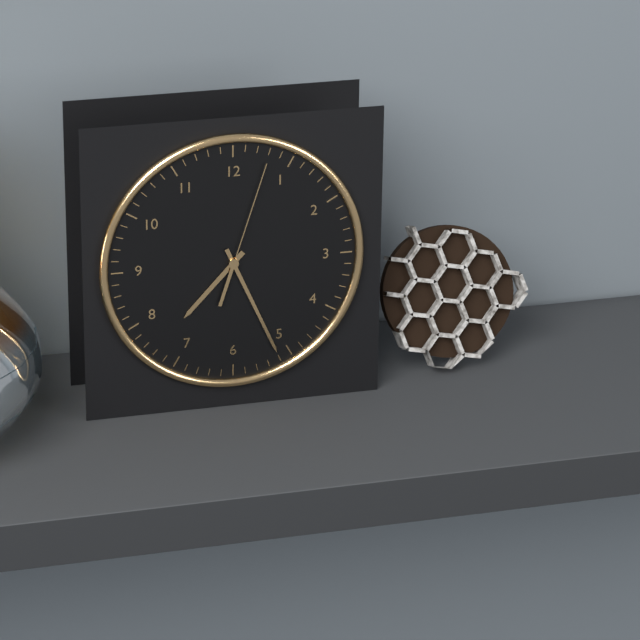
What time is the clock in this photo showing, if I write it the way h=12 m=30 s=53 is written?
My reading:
h=7 m=26 s=3
